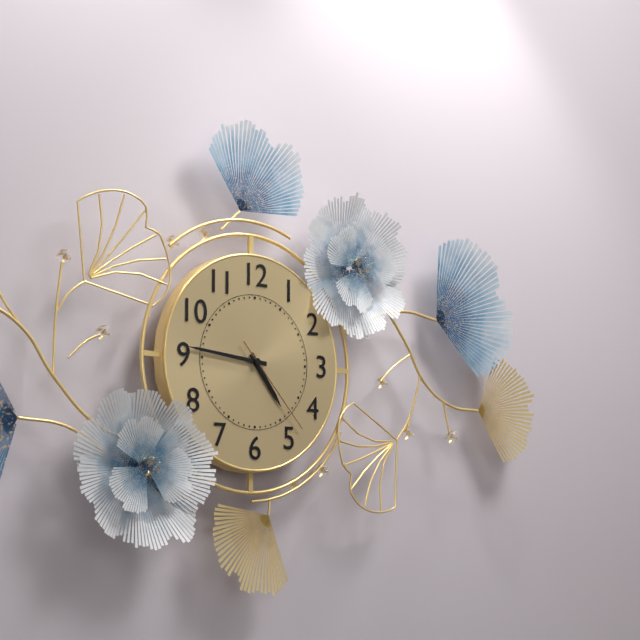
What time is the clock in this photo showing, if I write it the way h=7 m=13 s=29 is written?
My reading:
h=4 m=46 s=23
